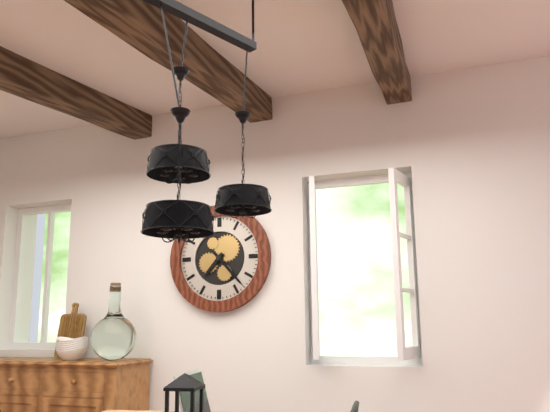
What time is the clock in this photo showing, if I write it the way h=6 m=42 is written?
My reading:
h=7 m=23
